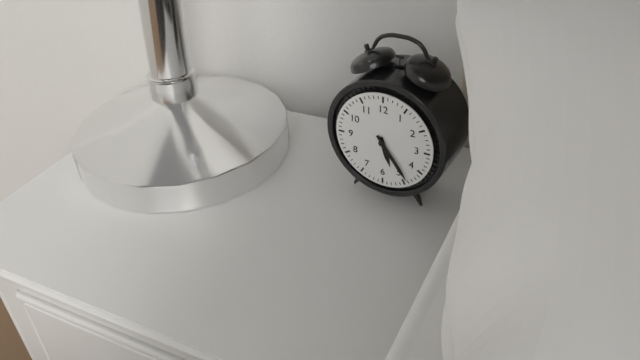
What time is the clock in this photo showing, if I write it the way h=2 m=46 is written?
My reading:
h=5 m=24
